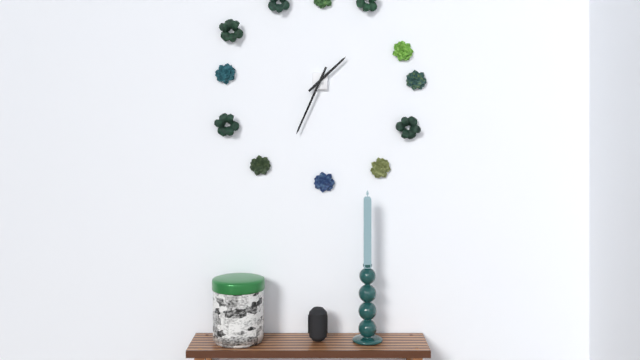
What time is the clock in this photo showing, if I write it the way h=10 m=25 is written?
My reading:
h=1 m=34
